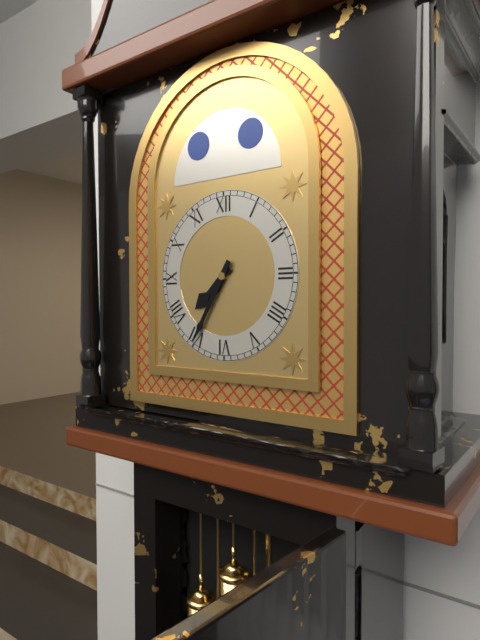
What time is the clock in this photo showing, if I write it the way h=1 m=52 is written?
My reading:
h=7 m=35
